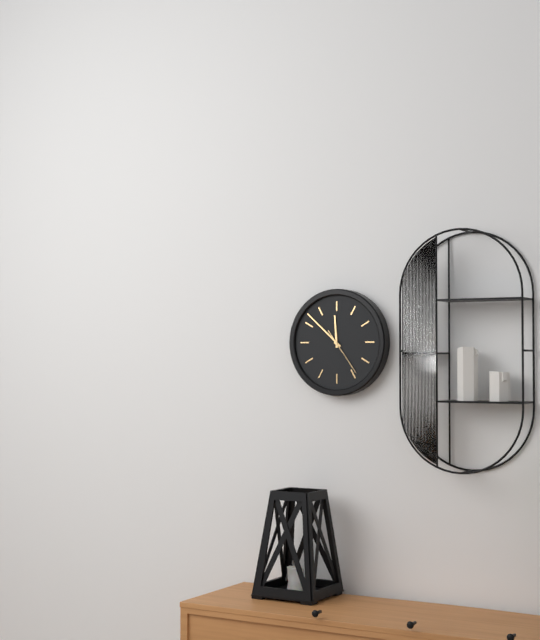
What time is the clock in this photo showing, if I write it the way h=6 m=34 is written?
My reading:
h=11 m=52
